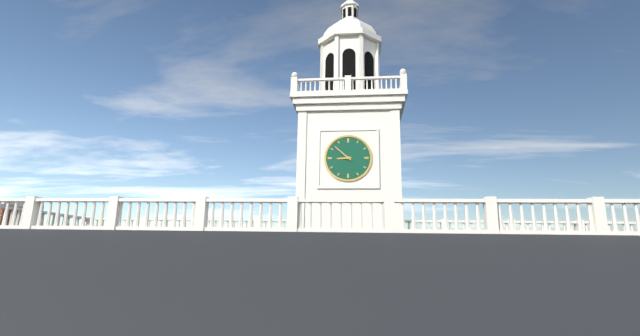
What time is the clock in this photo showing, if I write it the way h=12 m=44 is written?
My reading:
h=8 m=52
